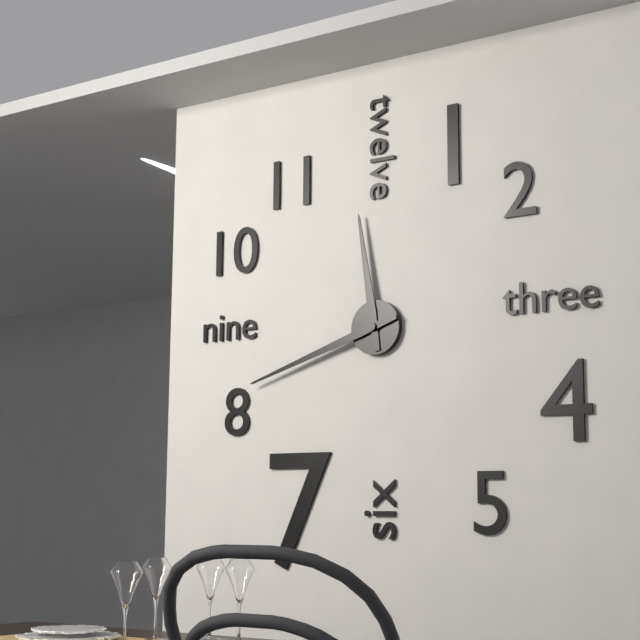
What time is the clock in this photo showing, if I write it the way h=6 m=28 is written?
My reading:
h=11 m=42
